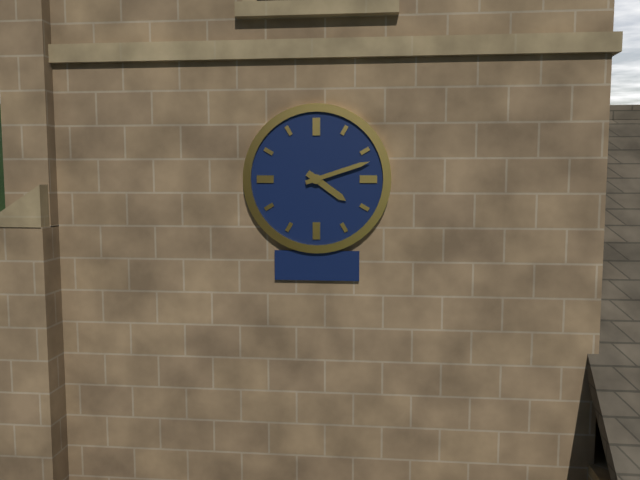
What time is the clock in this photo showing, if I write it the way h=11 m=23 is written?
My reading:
h=4 m=12
